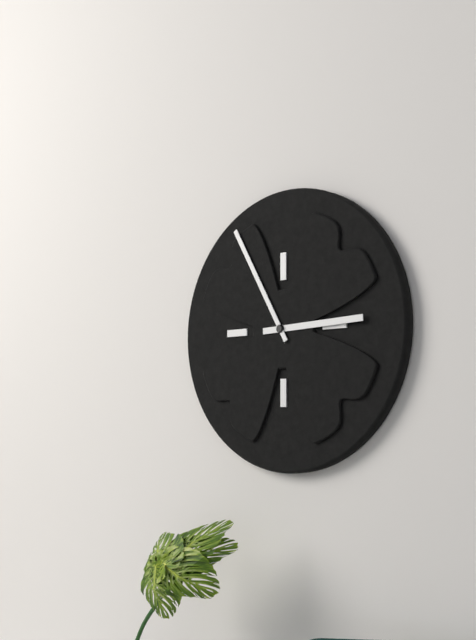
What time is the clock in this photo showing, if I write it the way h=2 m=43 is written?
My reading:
h=2 m=55
